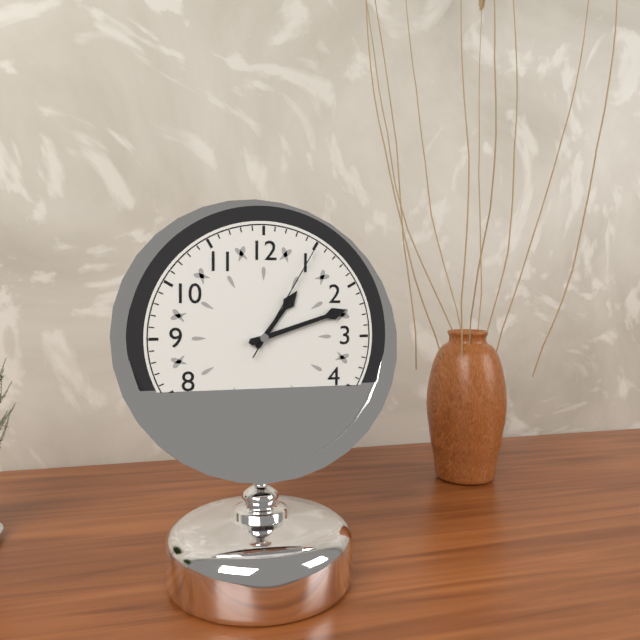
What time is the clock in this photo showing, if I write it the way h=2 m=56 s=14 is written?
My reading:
h=1 m=12 s=5
